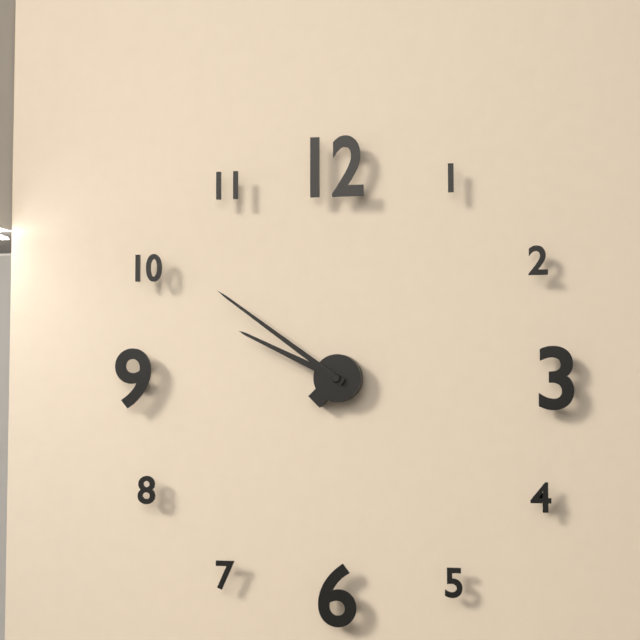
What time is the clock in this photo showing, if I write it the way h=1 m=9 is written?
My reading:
h=9 m=51
